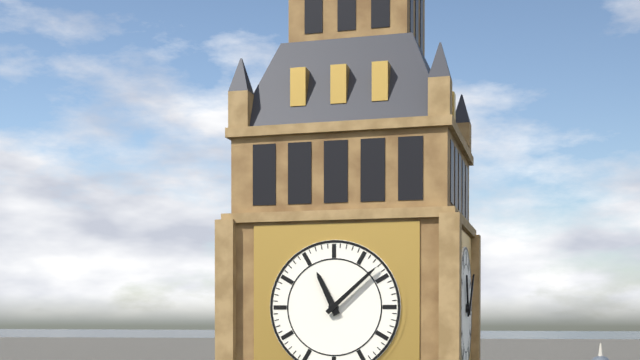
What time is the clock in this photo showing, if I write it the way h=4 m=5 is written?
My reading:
h=11 m=8
